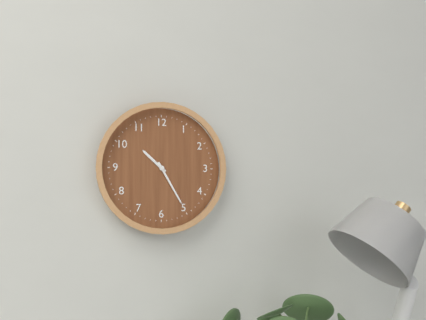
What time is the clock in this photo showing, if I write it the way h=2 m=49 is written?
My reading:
h=10 m=25
